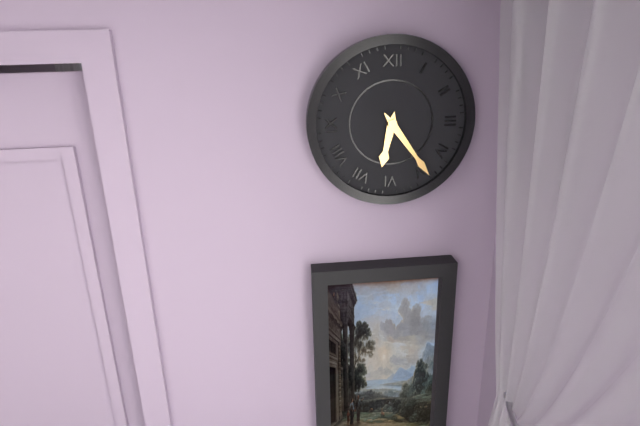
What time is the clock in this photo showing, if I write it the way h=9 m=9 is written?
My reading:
h=6 m=24
